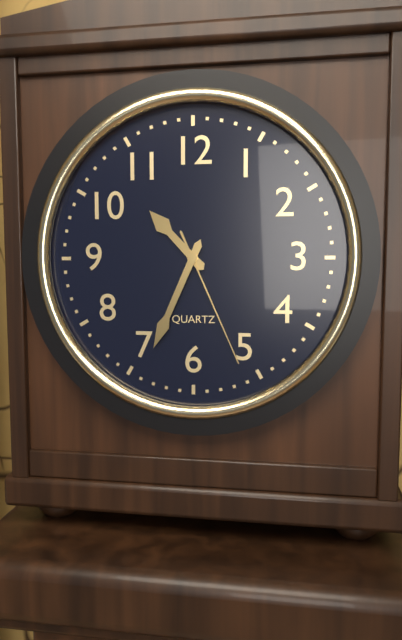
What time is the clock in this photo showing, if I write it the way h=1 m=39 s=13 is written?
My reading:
h=10 m=34 s=26
